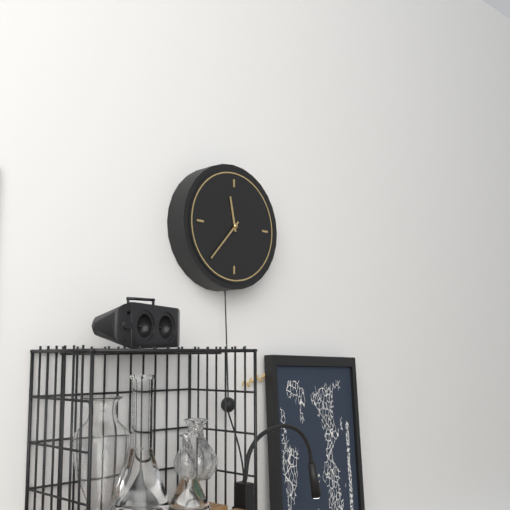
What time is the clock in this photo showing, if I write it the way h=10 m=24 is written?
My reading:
h=11 m=37
